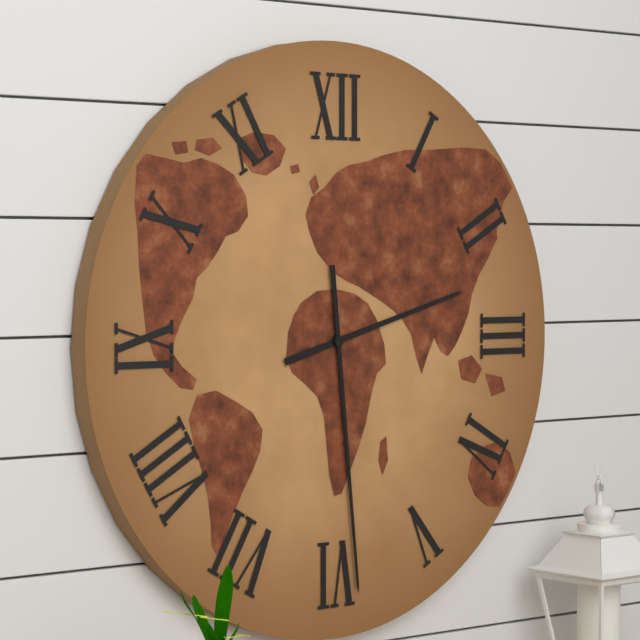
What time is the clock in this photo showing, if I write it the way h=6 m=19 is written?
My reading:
h=2 m=29
